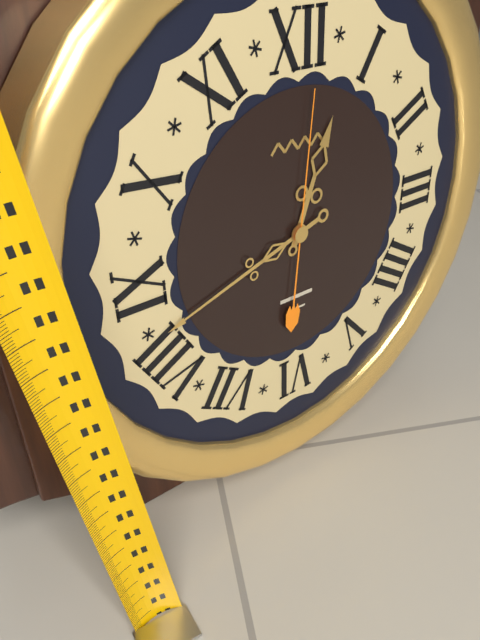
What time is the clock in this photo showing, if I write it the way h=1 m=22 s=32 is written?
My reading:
h=12 m=42 s=1
